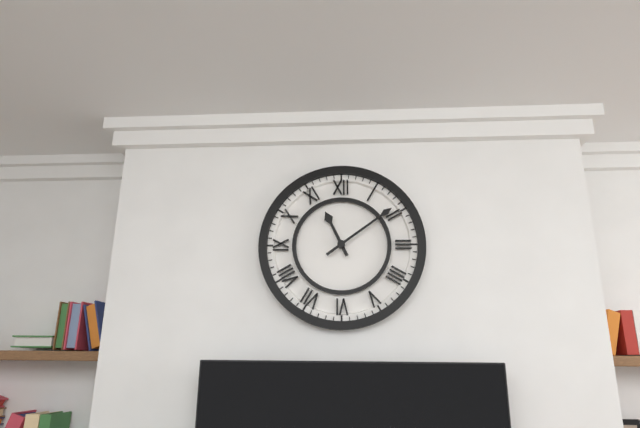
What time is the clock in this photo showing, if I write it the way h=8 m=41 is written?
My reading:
h=11 m=9
